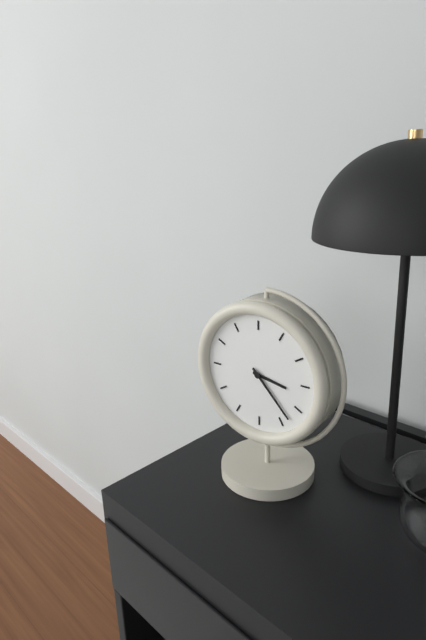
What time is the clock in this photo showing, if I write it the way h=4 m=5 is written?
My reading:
h=3 m=23
